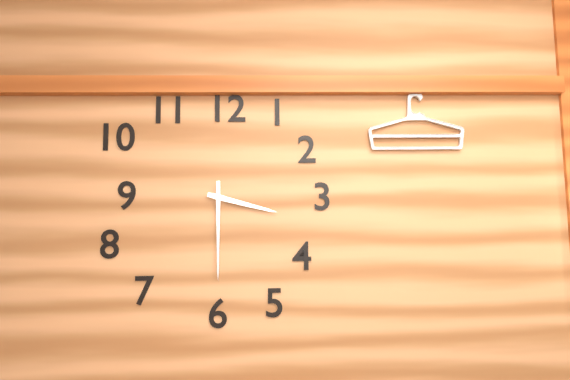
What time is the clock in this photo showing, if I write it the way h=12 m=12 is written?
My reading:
h=3 m=30
